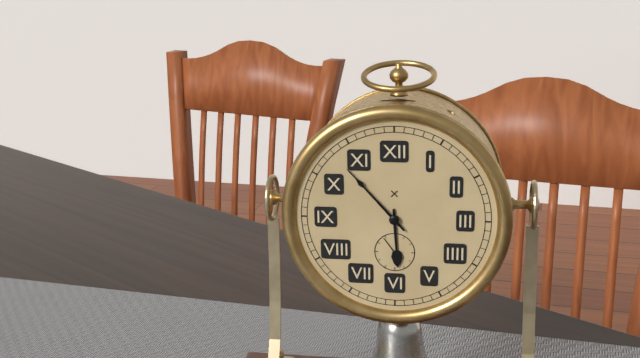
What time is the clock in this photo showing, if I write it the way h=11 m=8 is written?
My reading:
h=5 m=53
